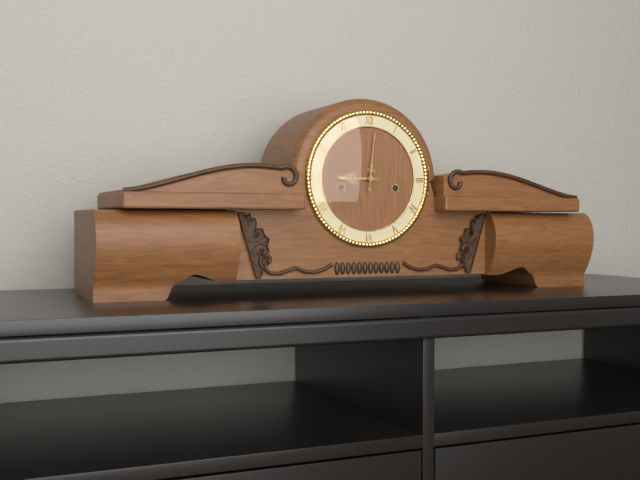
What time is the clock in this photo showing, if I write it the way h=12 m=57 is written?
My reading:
h=9 m=1
